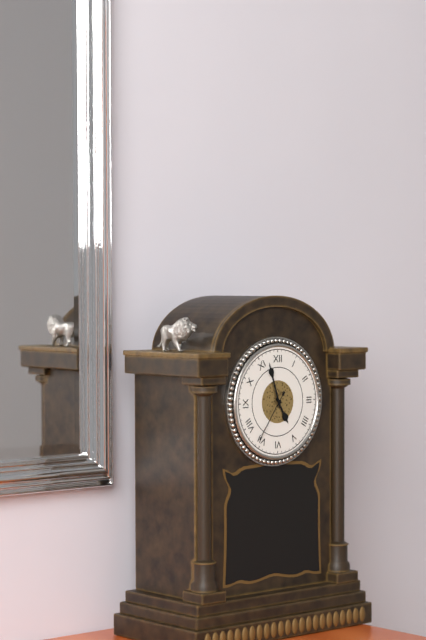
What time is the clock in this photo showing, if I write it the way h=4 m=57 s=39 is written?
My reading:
h=4 m=57 s=36
